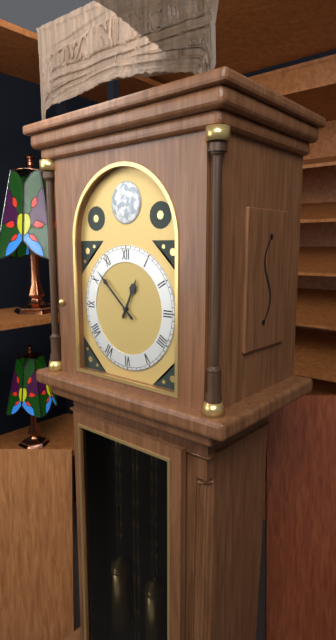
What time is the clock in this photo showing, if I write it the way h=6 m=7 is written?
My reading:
h=12 m=52
